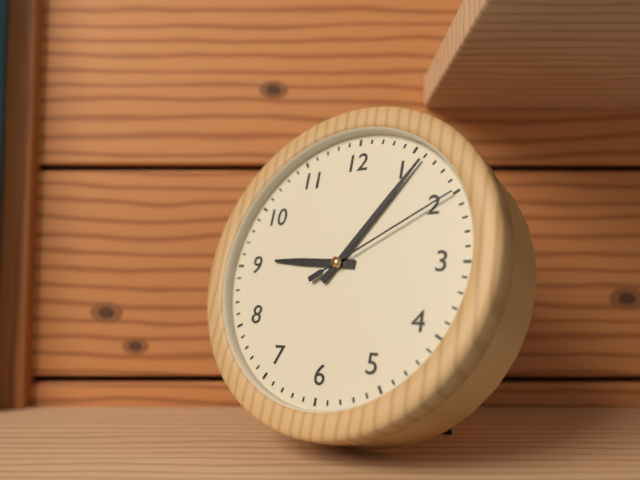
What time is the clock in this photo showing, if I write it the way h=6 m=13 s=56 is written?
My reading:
h=9 m=6 s=10
